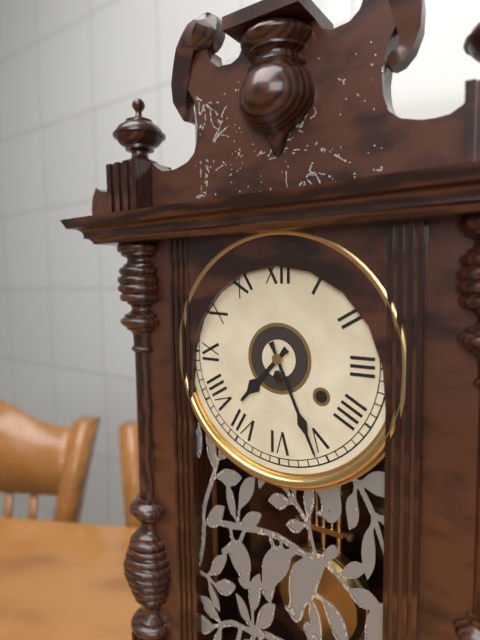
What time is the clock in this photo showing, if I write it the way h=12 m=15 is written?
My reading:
h=7 m=26
